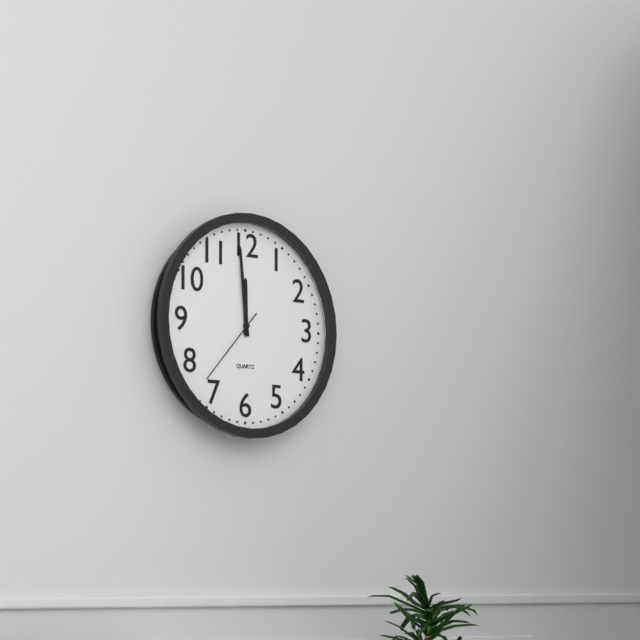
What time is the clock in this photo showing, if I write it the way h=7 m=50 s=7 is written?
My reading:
h=11 m=59 s=37
